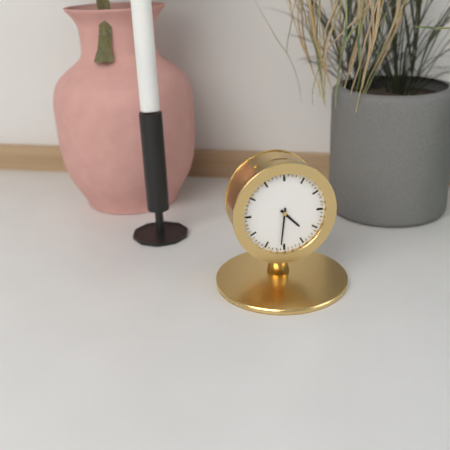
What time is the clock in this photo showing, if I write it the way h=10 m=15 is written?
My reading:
h=4 m=31
